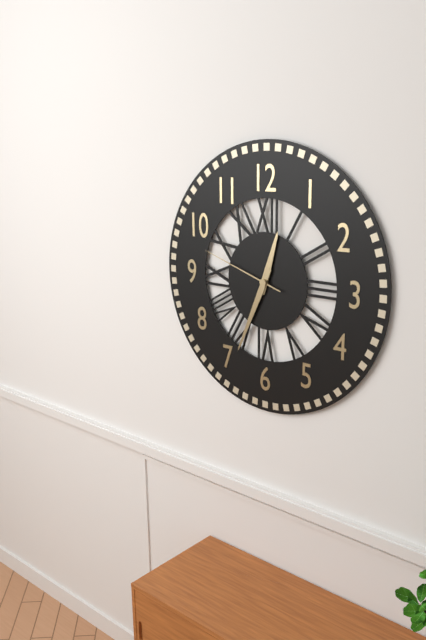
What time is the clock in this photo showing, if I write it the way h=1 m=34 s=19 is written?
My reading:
h=12 m=34 s=48
